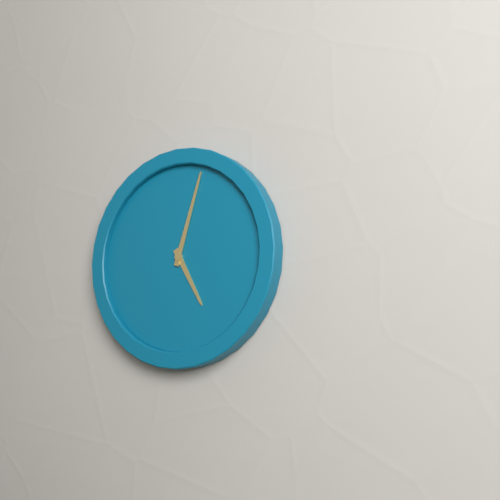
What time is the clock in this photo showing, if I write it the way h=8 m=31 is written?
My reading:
h=5 m=3
